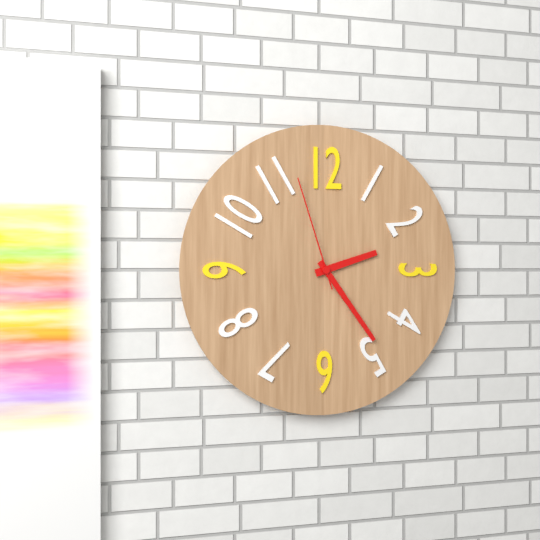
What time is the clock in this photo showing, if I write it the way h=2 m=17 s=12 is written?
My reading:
h=2 m=24 s=57
